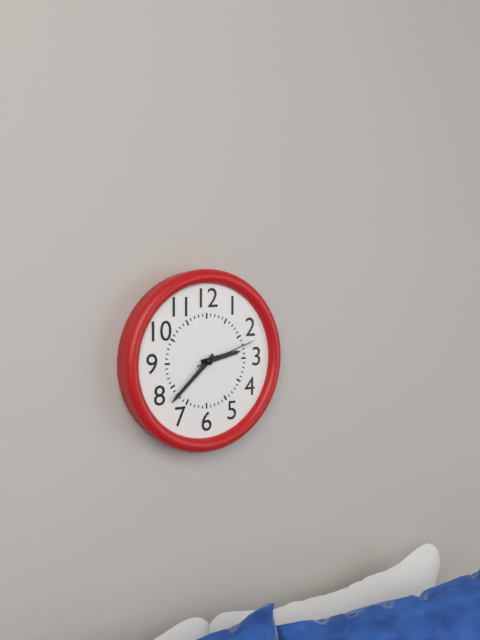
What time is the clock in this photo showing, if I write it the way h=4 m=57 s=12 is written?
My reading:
h=2 m=38 s=12
